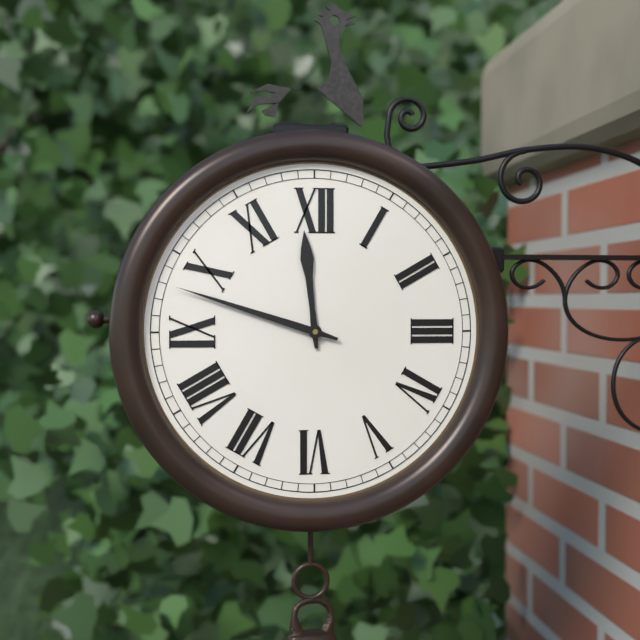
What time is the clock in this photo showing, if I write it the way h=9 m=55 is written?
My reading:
h=11 m=48
